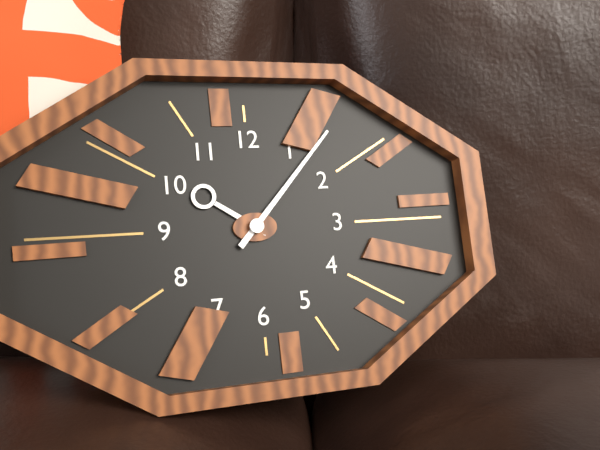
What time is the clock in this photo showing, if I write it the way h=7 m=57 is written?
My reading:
h=10 m=7
